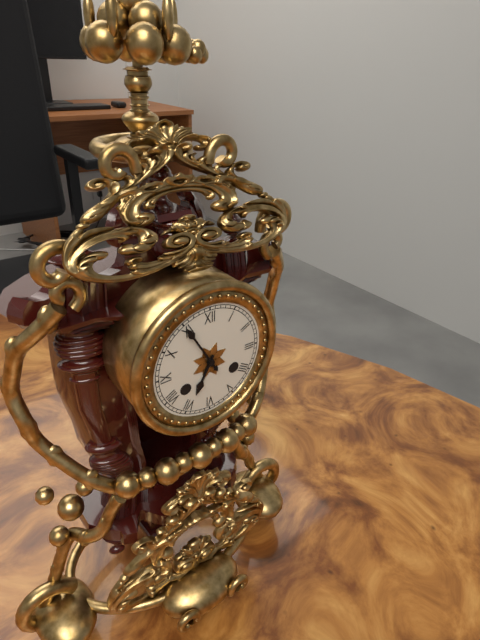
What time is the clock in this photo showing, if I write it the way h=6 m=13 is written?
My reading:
h=6 m=55
